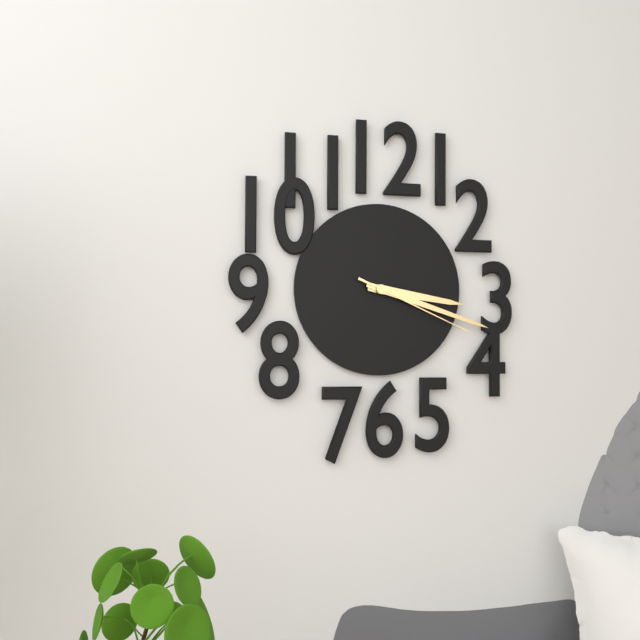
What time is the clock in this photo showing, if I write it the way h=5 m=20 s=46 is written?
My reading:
h=3 m=18 s=19
